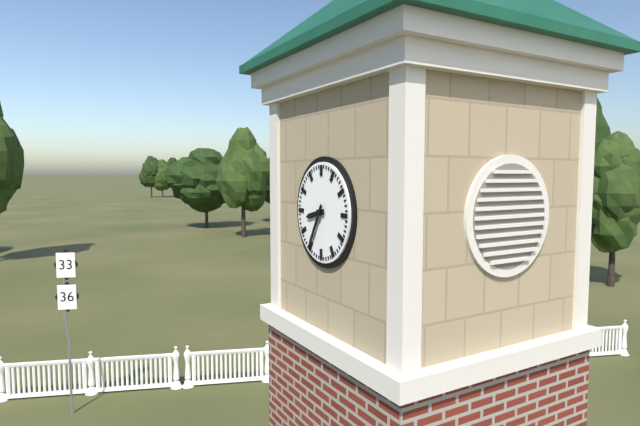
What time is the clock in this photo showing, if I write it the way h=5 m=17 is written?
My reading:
h=8 m=35
